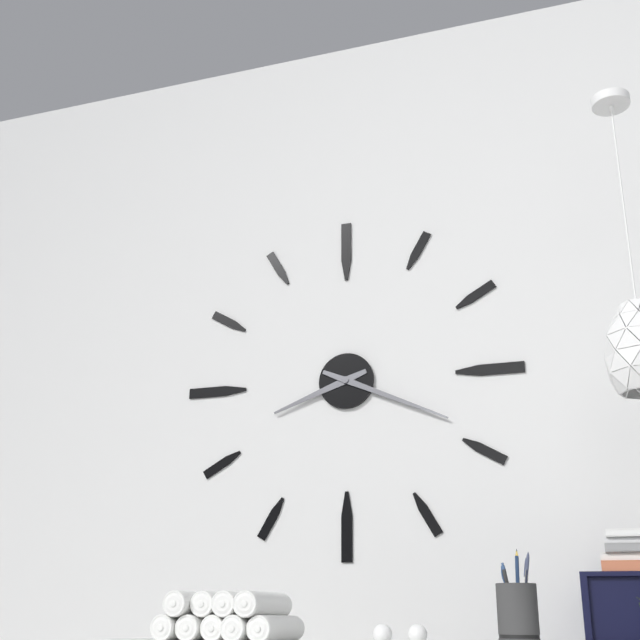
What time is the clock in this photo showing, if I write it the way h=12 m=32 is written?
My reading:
h=8 m=19
